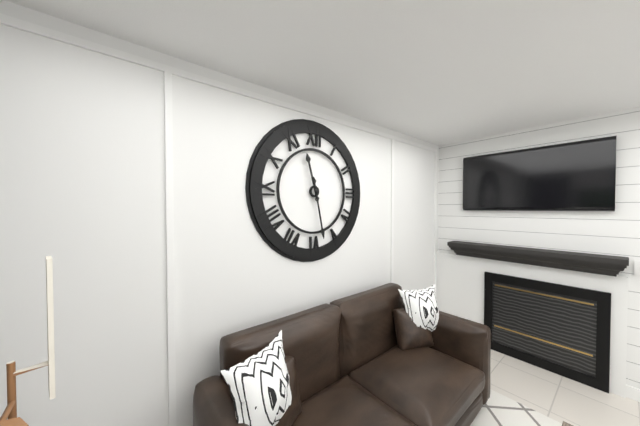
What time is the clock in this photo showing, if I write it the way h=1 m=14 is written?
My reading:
h=11 m=28
